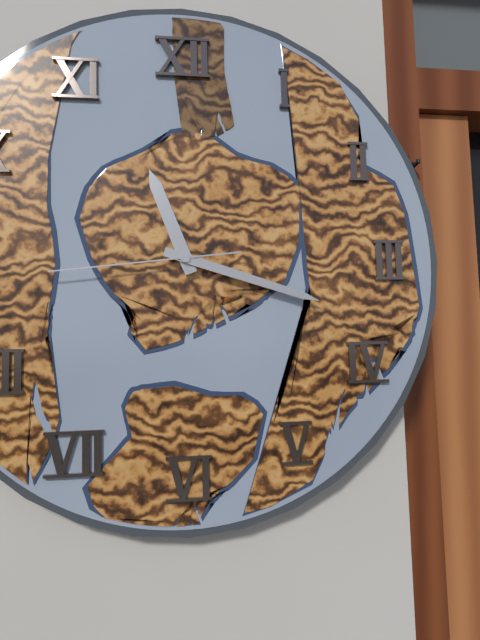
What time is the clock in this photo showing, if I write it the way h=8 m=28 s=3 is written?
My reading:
h=11 m=18 s=44
